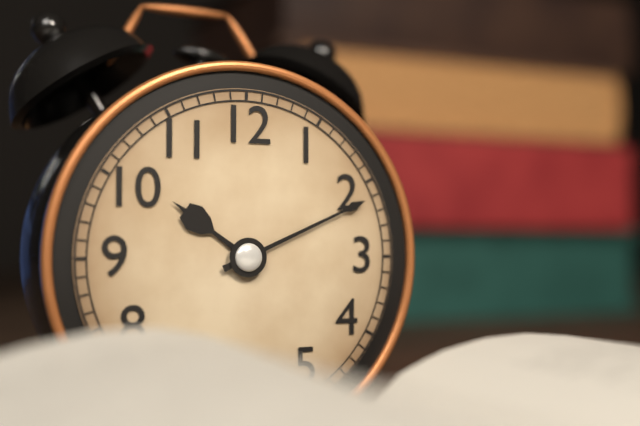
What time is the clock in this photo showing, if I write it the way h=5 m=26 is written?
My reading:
h=10 m=11
